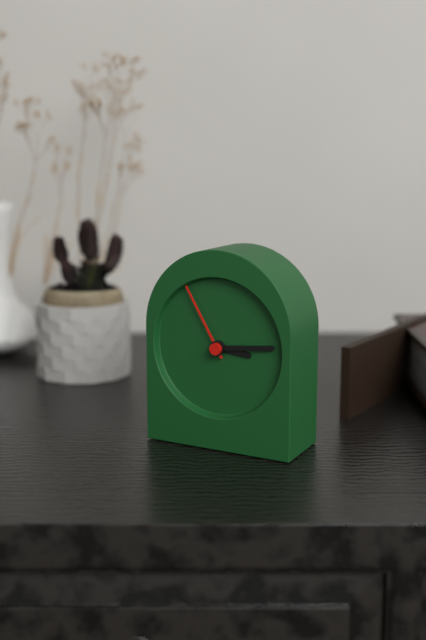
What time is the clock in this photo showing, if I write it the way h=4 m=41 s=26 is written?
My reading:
h=3 m=14 s=55
